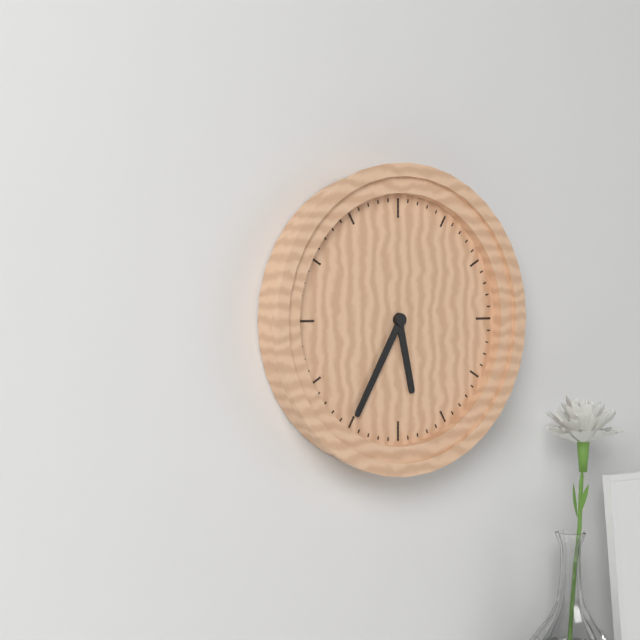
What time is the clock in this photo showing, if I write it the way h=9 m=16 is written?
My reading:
h=5 m=35
